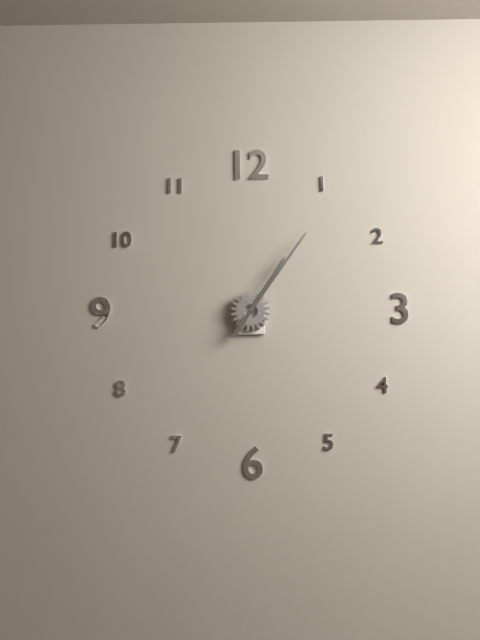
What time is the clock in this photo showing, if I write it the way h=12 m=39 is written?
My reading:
h=1 m=6
